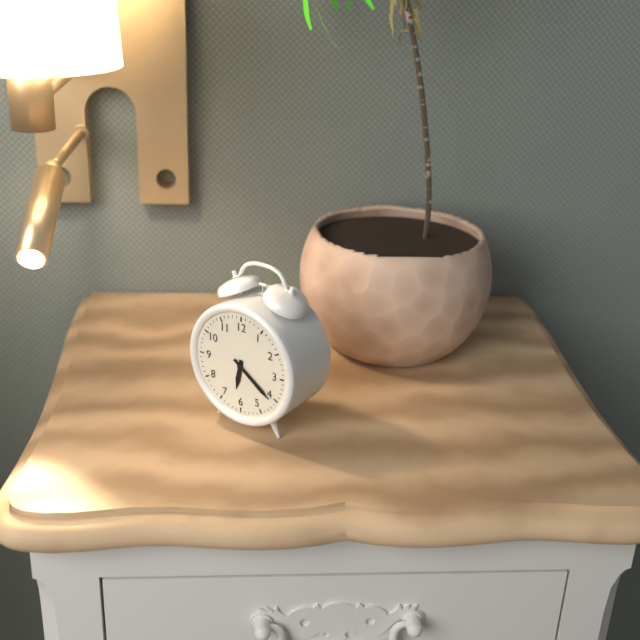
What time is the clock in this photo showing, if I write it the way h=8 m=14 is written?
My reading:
h=6 m=21
